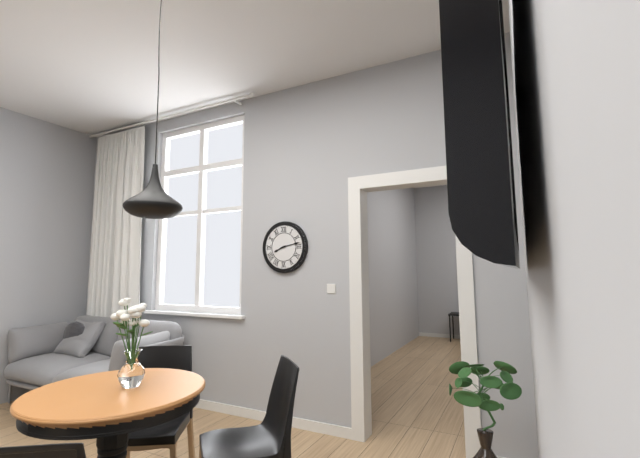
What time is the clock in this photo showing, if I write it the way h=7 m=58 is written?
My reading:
h=8 m=13
